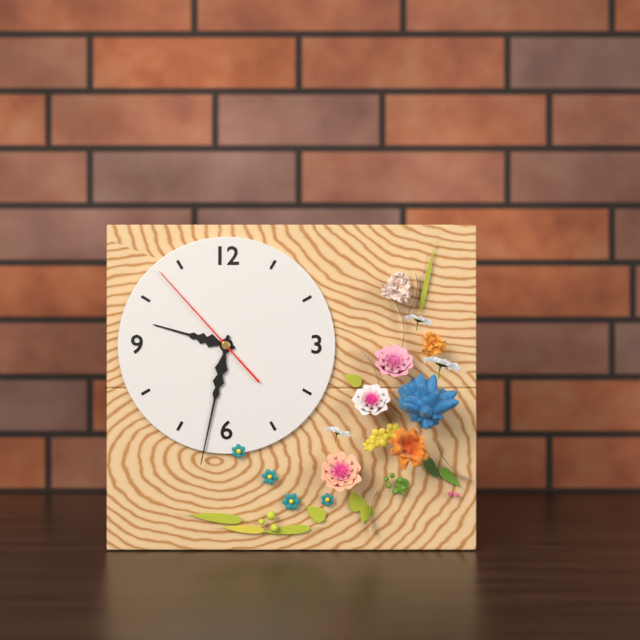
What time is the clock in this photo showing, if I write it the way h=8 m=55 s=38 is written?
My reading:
h=9 m=32 s=53
